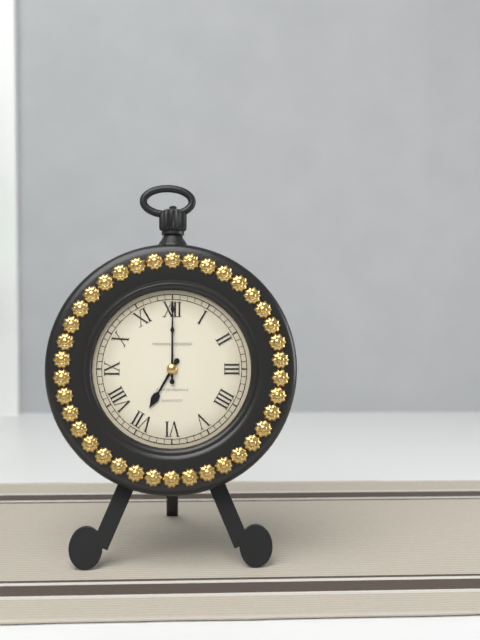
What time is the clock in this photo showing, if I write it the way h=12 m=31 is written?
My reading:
h=7 m=0
